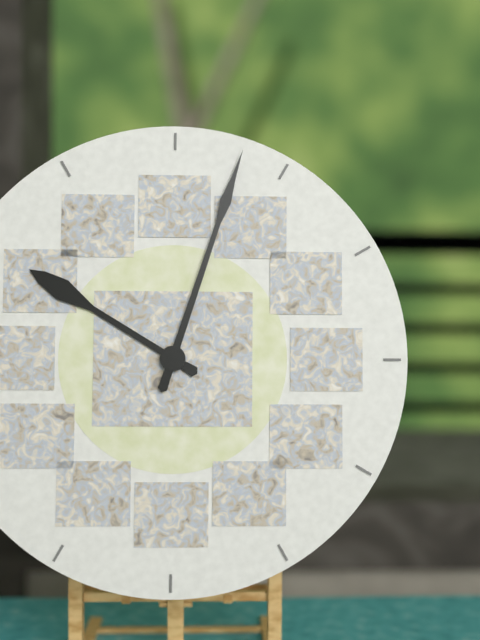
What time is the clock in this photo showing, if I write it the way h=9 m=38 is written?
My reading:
h=10 m=3
